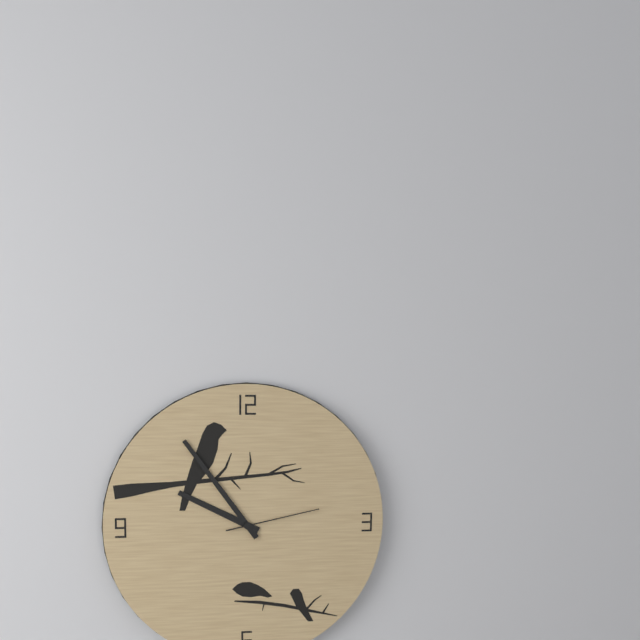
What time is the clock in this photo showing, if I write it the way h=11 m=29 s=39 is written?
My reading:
h=9 m=54 s=13
